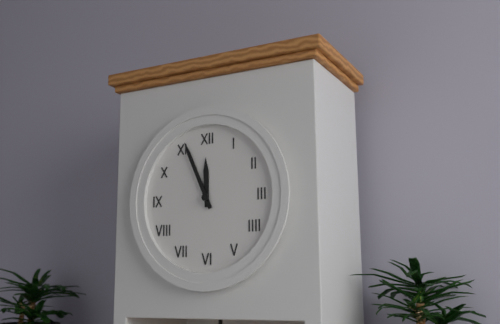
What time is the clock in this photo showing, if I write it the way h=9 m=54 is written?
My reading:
h=11 m=56
